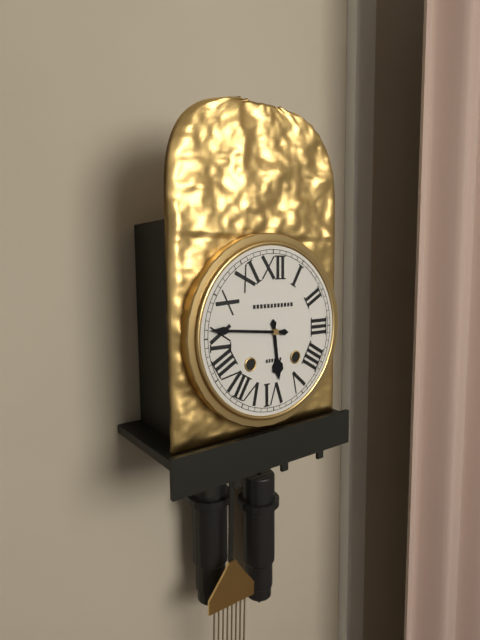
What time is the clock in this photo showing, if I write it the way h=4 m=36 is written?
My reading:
h=5 m=46
